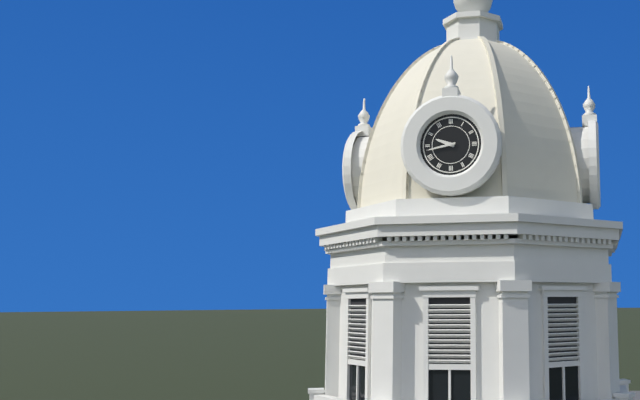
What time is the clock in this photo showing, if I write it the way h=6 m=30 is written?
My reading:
h=9 m=43
